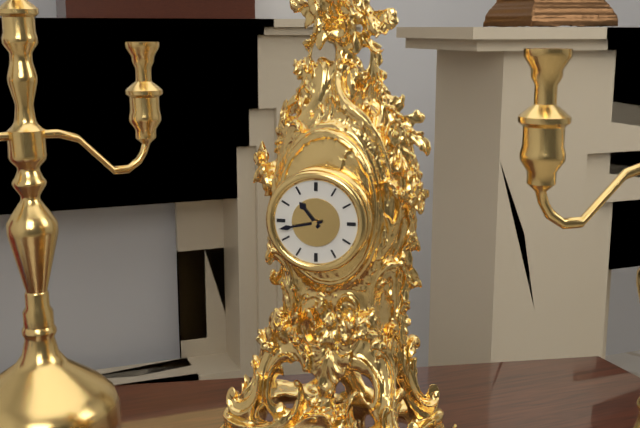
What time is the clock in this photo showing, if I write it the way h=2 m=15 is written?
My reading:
h=10 m=43
